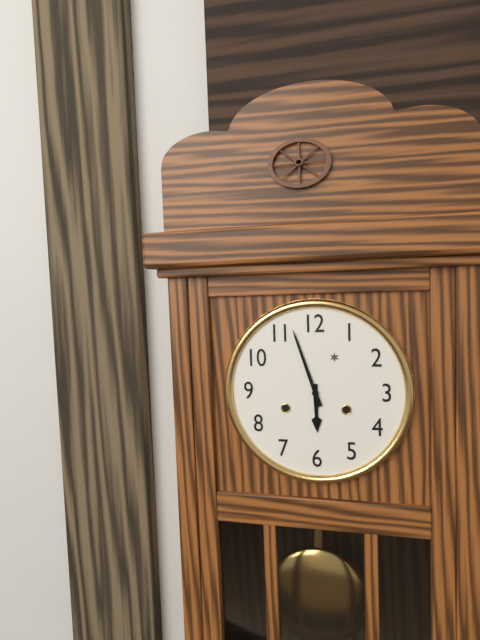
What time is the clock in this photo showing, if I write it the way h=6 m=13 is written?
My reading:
h=5 m=57
